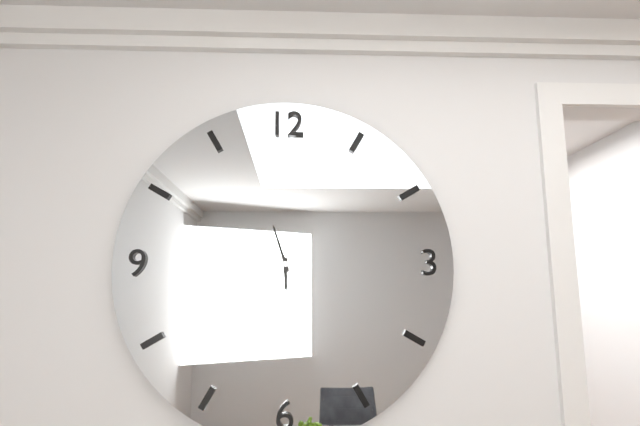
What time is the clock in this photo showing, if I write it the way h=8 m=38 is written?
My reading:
h=5 m=57
